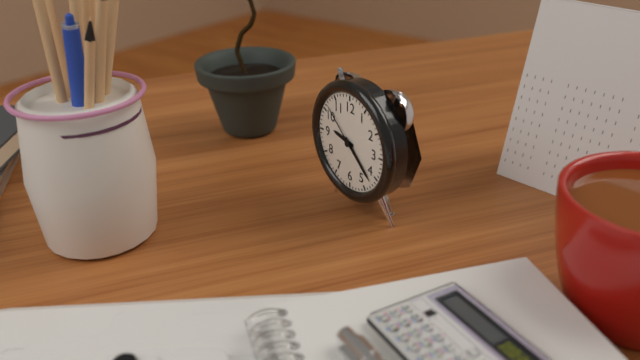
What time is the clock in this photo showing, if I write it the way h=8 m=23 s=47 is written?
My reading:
h=9 m=22 s=52
